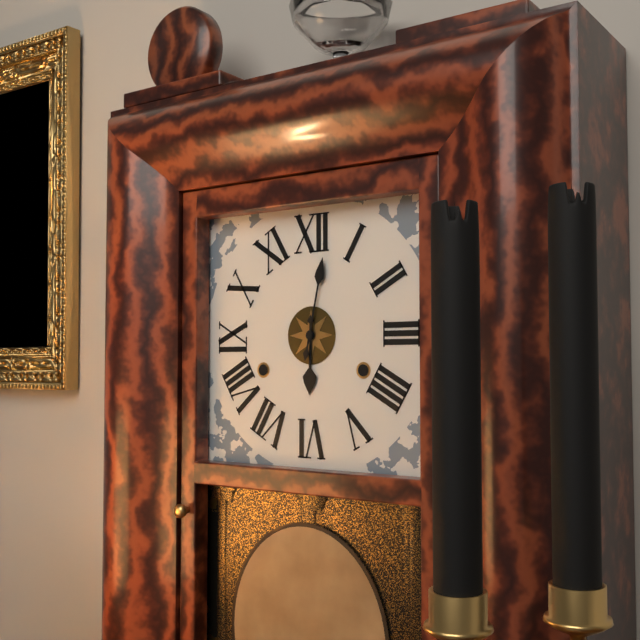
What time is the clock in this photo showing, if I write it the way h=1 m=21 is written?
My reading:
h=6 m=2
